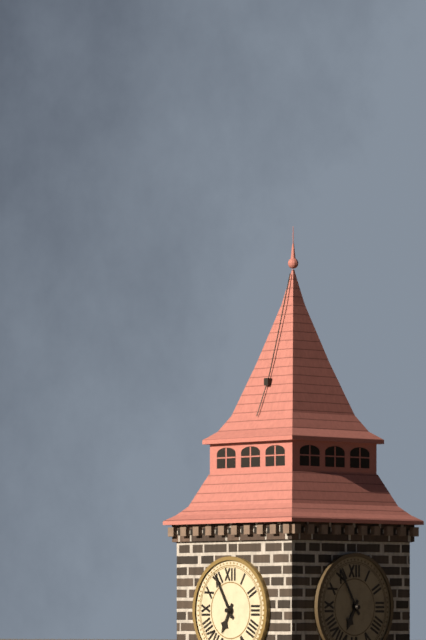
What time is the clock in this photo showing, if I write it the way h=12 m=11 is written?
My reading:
h=6 m=55
